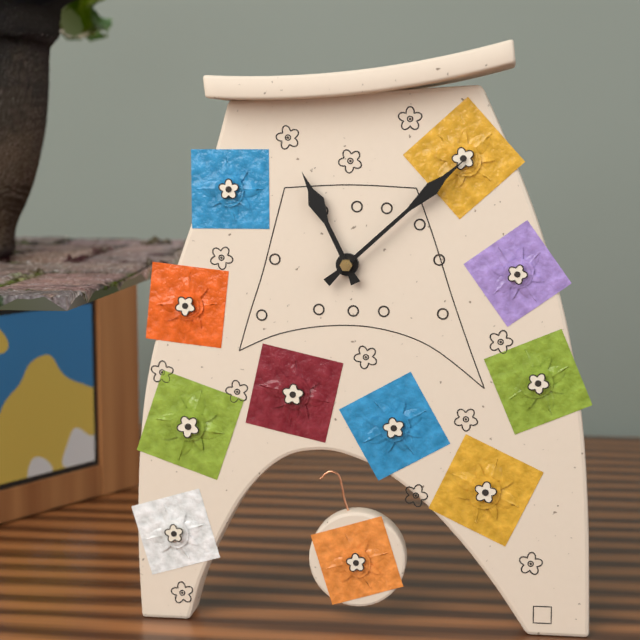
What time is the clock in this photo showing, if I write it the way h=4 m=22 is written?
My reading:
h=11 m=8
